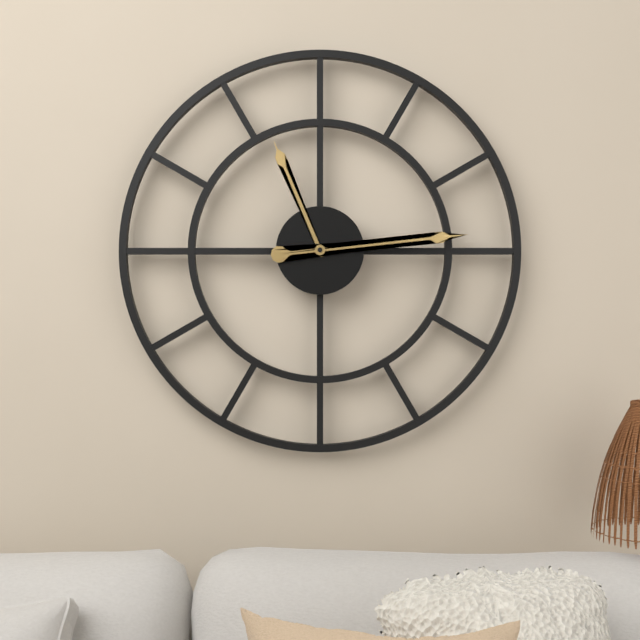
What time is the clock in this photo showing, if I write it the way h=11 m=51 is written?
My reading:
h=11 m=14
